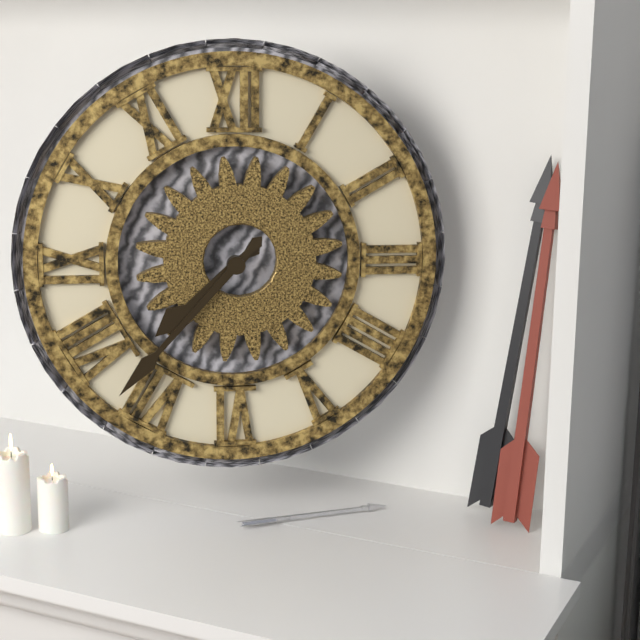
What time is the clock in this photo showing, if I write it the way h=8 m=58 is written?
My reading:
h=7 m=37
